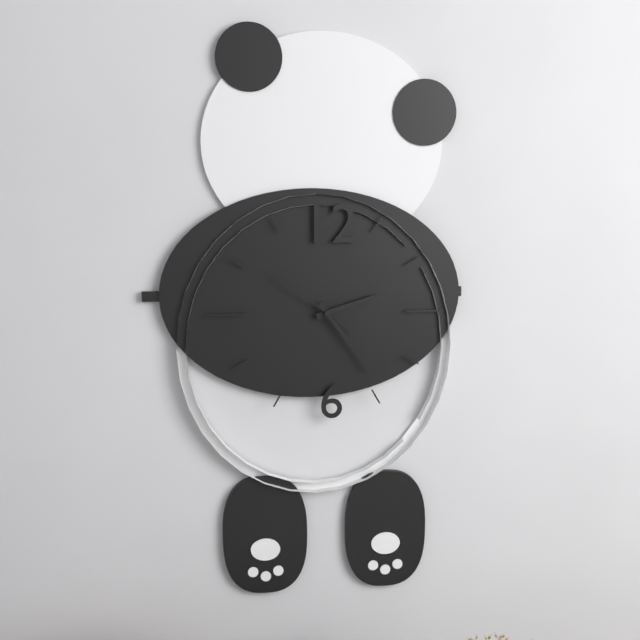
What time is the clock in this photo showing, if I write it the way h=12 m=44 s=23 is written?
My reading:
h=2 m=24 s=51
